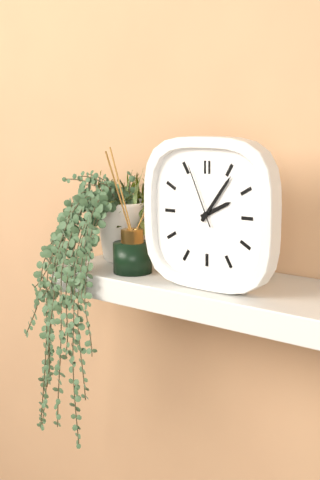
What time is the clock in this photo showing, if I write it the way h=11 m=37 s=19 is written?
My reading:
h=2 m=6 s=56
